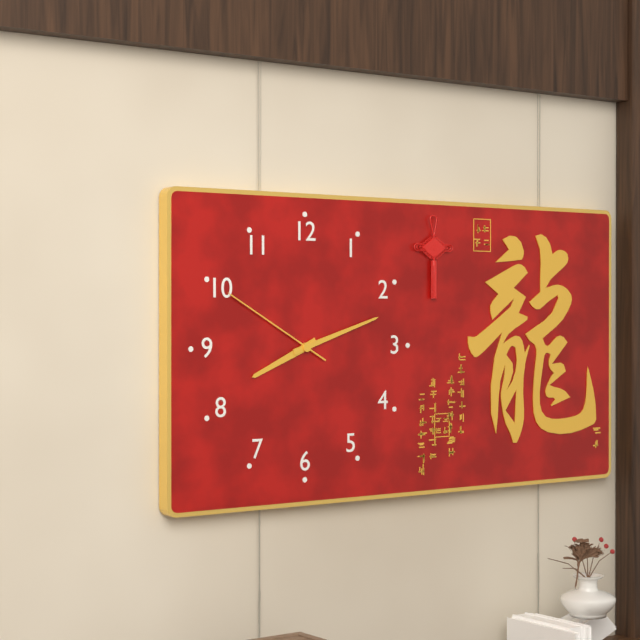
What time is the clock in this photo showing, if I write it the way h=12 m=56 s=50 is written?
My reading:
h=8 m=12 s=50
